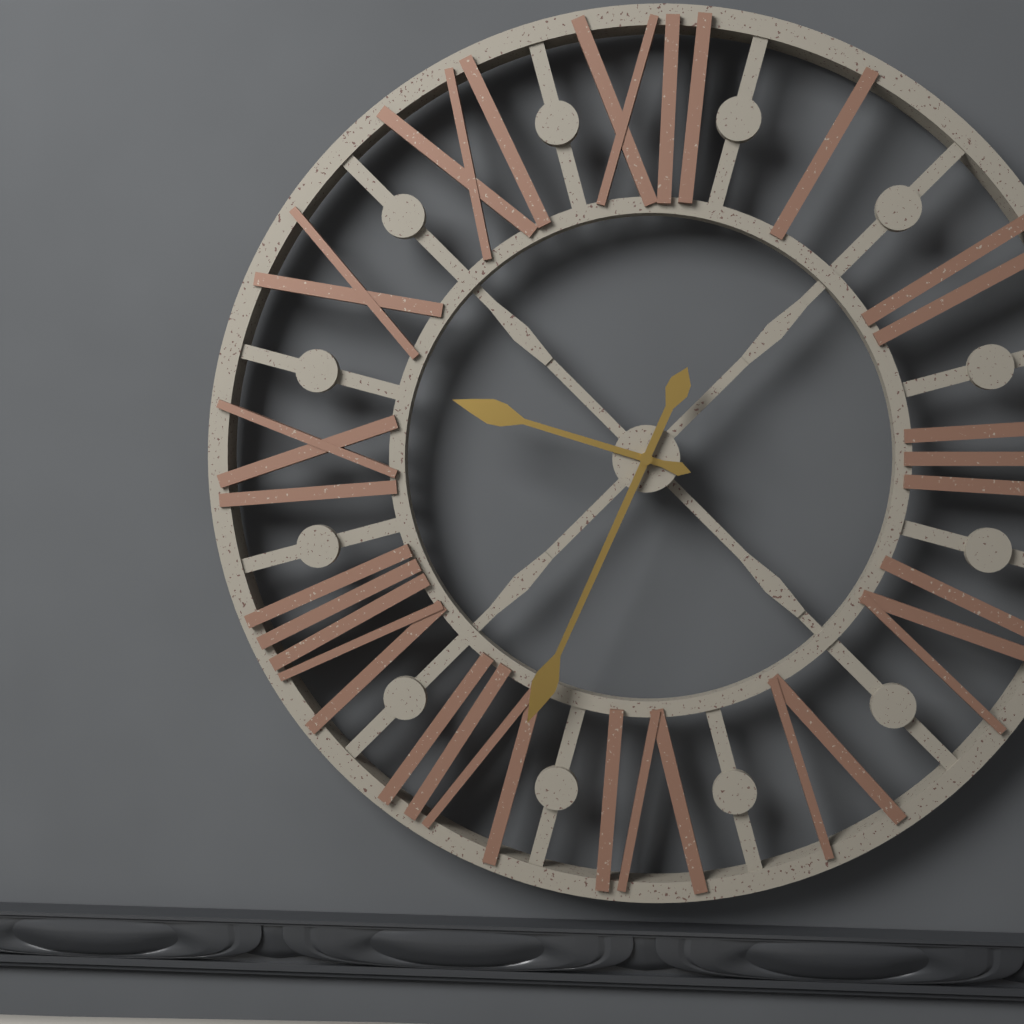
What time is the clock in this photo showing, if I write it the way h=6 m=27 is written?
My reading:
h=9 m=34
